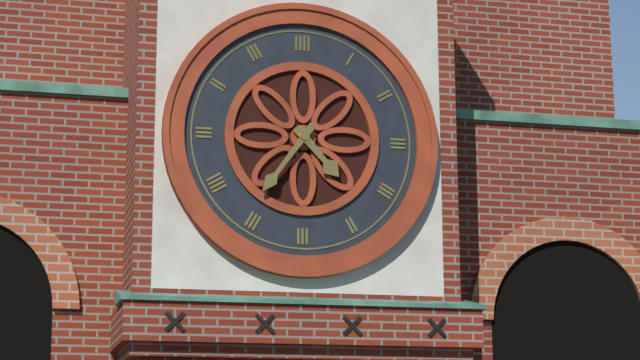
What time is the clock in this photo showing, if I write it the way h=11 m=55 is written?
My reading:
h=4 m=36
